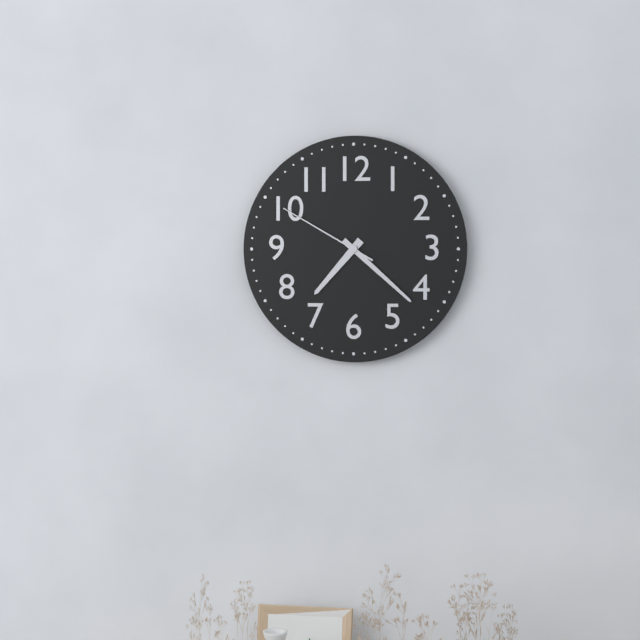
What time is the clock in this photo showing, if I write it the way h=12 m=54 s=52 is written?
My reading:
h=7 m=22 s=50
